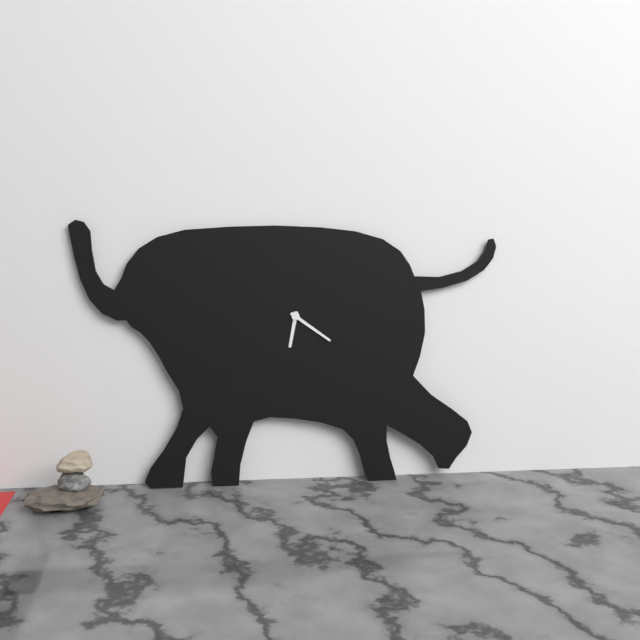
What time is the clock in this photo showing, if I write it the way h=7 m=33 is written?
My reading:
h=6 m=21
